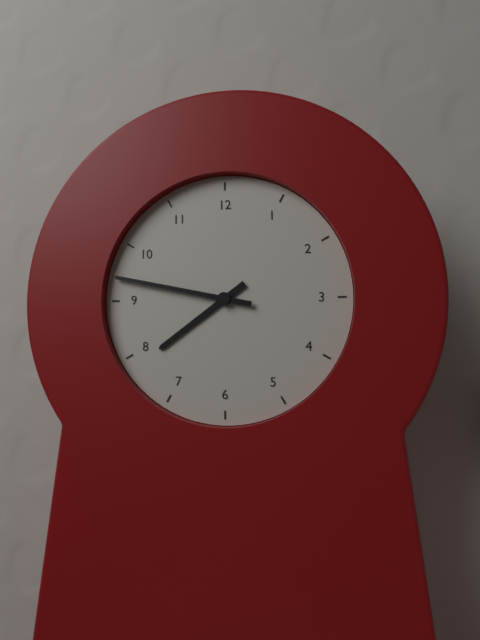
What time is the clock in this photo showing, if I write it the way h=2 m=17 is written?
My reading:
h=7 m=47
